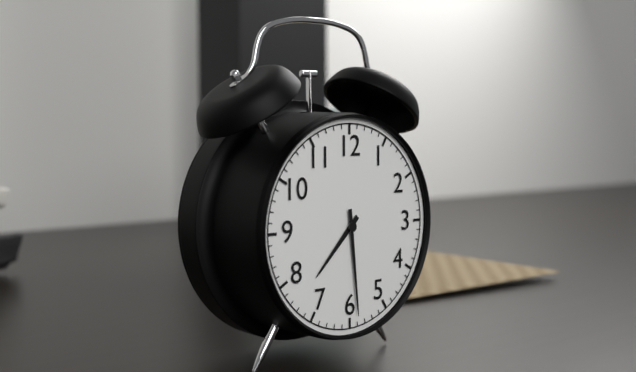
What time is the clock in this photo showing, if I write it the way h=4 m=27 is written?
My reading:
h=7 m=29
